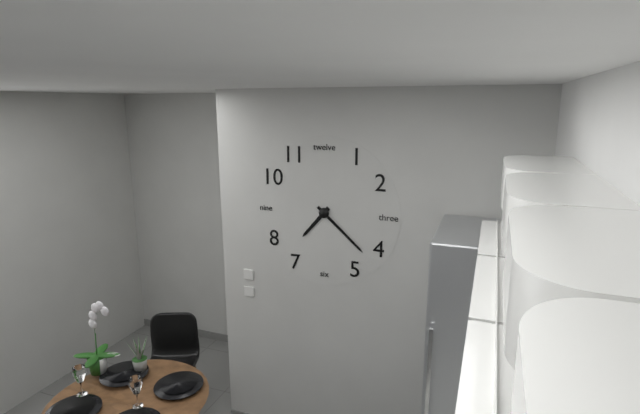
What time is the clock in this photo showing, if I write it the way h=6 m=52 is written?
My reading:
h=7 m=22
